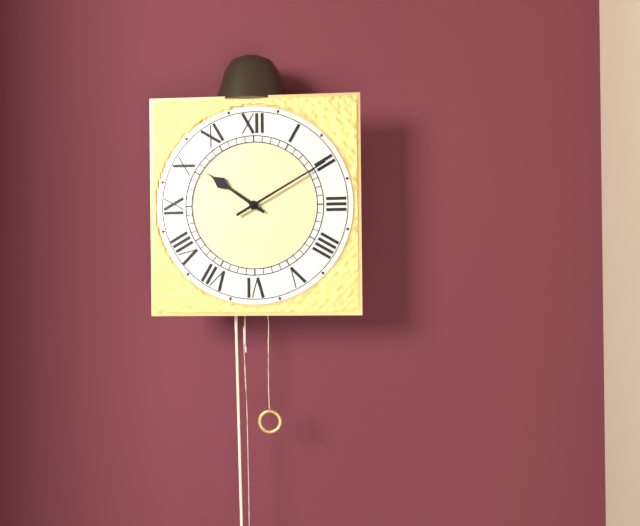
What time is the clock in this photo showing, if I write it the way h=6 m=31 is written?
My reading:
h=10 m=10
